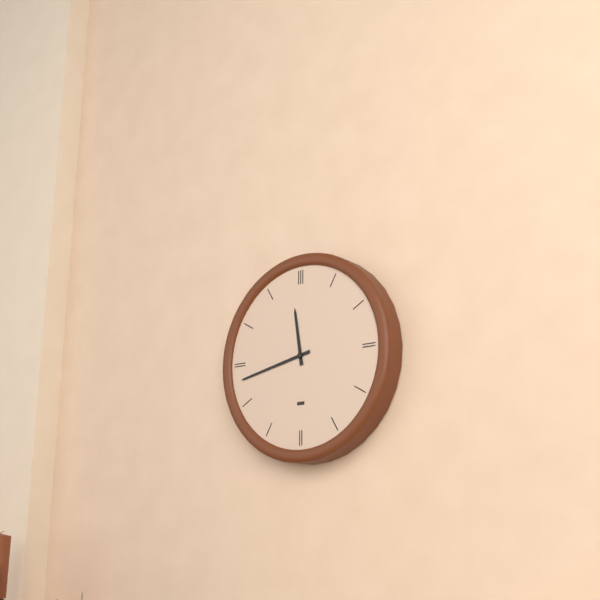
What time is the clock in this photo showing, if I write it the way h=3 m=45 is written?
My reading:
h=11 m=43
